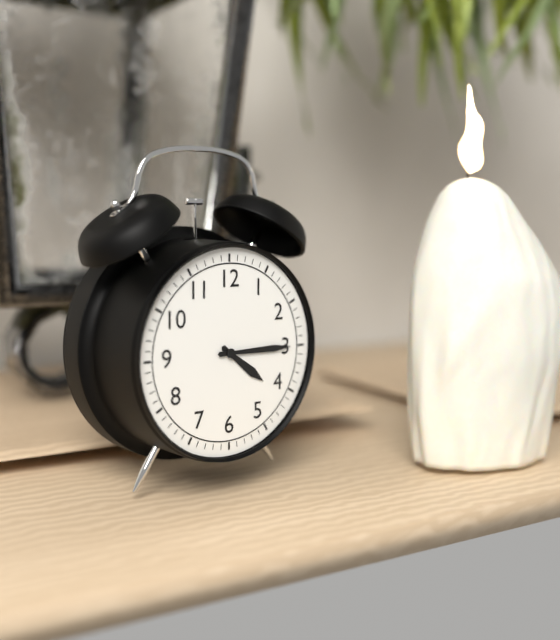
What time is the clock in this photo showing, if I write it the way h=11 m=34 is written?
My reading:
h=4 m=15
